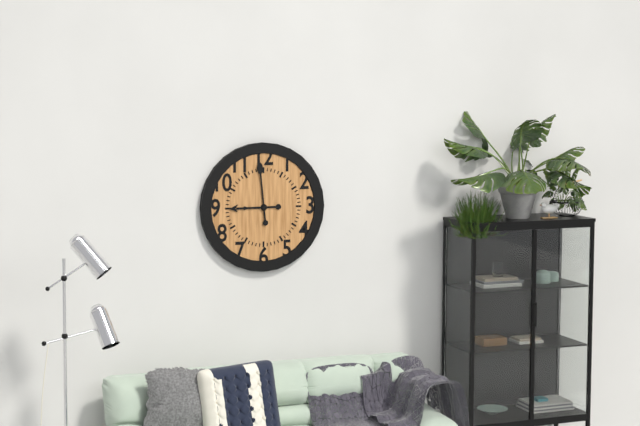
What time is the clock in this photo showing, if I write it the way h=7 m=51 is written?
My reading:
h=8 m=59
